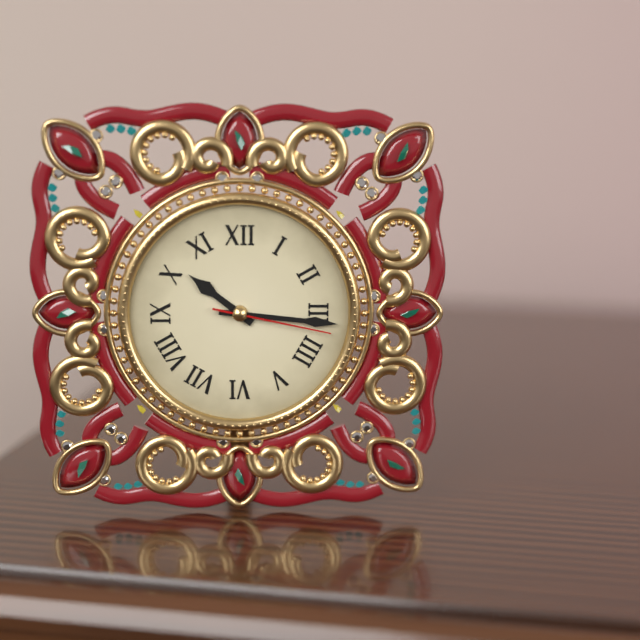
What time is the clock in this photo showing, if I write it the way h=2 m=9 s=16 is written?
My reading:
h=10 m=16 s=17
